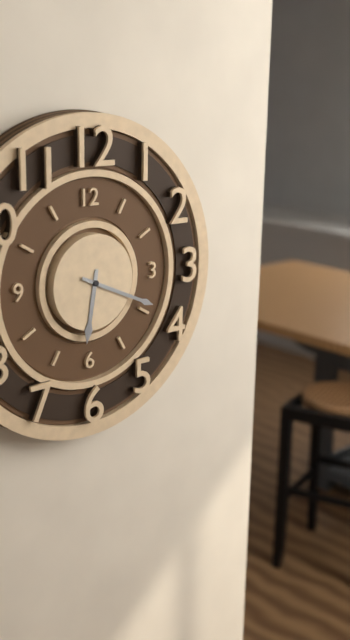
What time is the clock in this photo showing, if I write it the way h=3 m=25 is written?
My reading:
h=6 m=19
